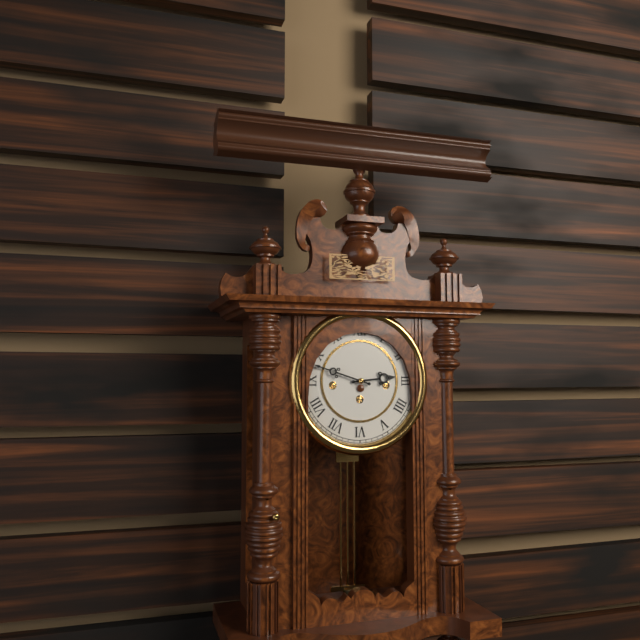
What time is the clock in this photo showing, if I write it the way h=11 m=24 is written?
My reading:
h=2 m=48
